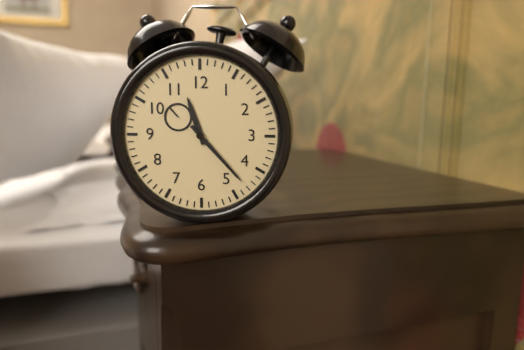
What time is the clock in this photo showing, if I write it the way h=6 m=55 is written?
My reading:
h=11 m=23
